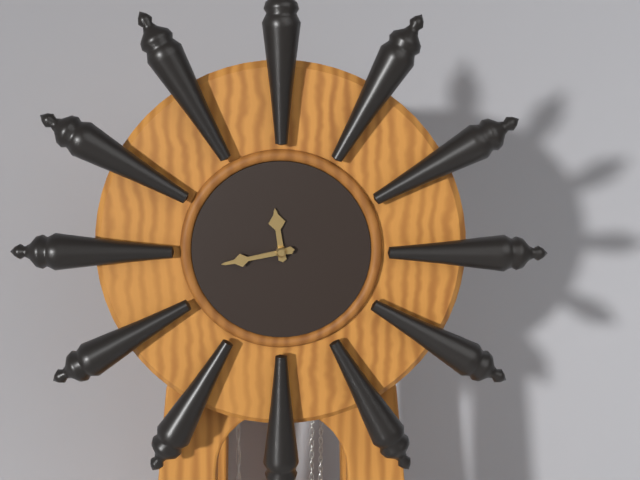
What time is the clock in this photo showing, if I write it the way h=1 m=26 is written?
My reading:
h=11 m=43
